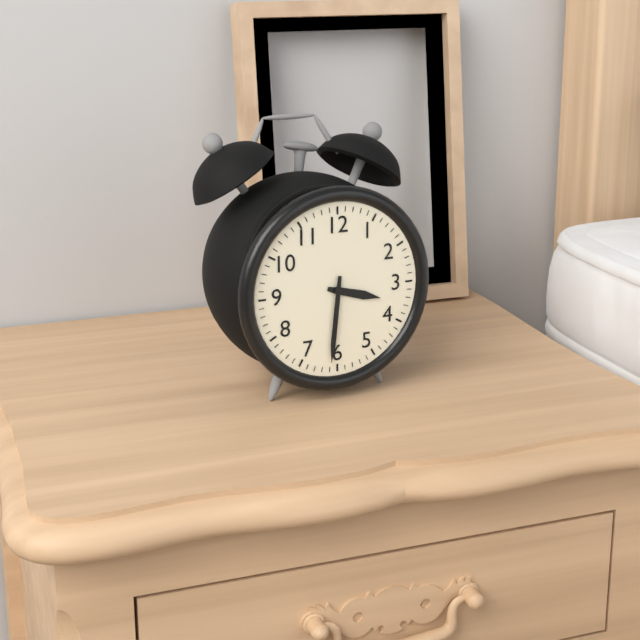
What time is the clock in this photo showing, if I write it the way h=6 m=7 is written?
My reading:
h=3 m=31
